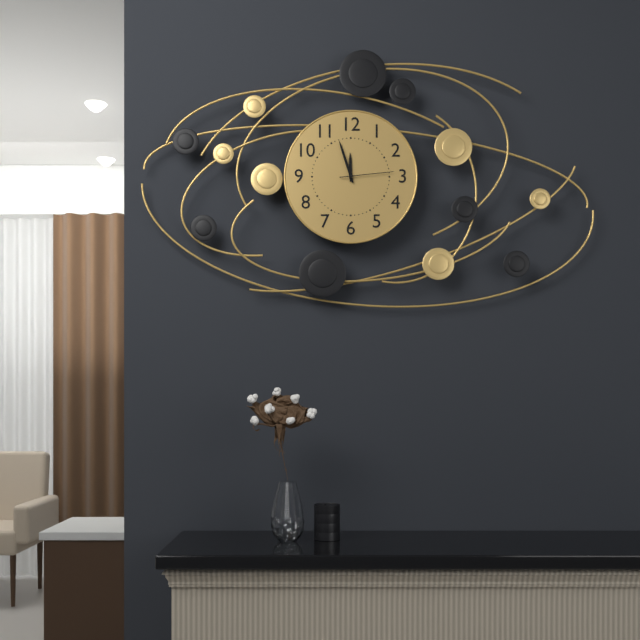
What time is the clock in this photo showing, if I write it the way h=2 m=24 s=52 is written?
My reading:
h=11 m=57 s=14
